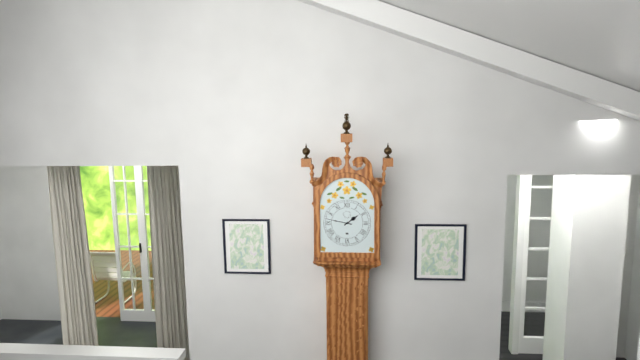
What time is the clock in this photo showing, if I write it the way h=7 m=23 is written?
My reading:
h=1 m=47
